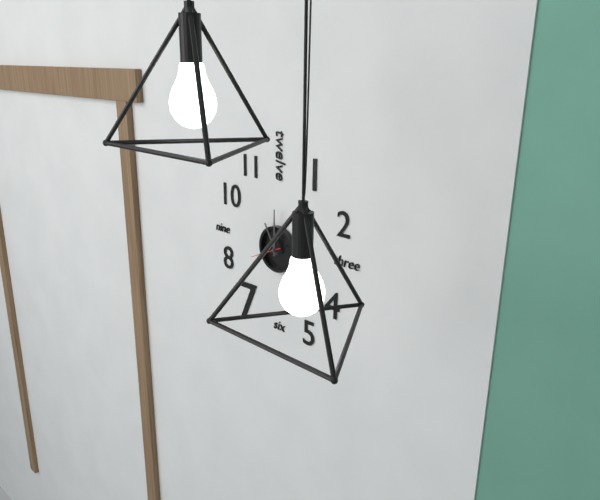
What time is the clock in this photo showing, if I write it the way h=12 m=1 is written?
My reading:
h=11 m=0
